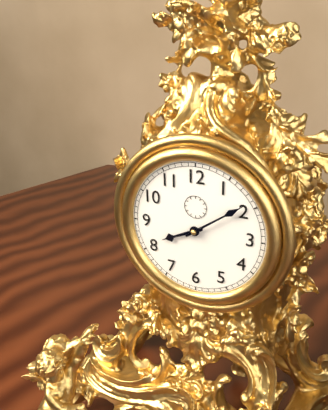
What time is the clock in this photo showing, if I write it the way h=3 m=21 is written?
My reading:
h=8 m=9
